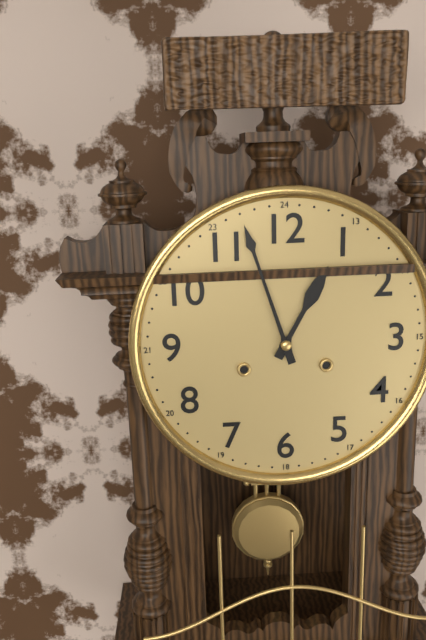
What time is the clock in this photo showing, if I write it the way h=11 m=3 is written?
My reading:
h=12 m=57
